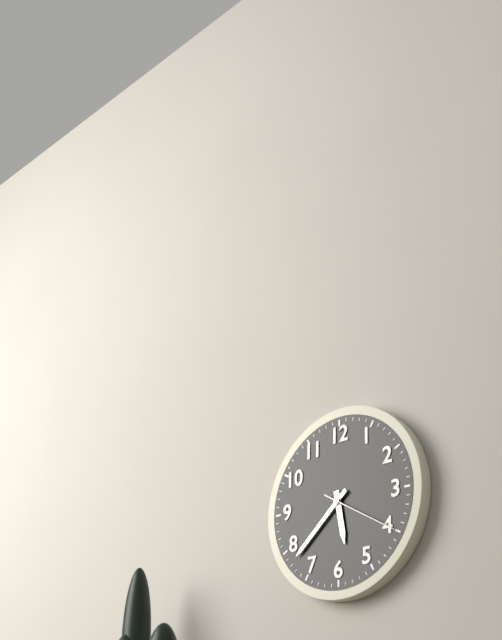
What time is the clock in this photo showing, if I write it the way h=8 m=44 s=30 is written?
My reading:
h=5 m=38 s=20
